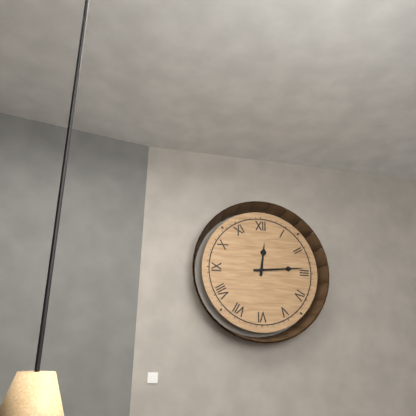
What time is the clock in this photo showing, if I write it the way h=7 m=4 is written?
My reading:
h=12 m=14
